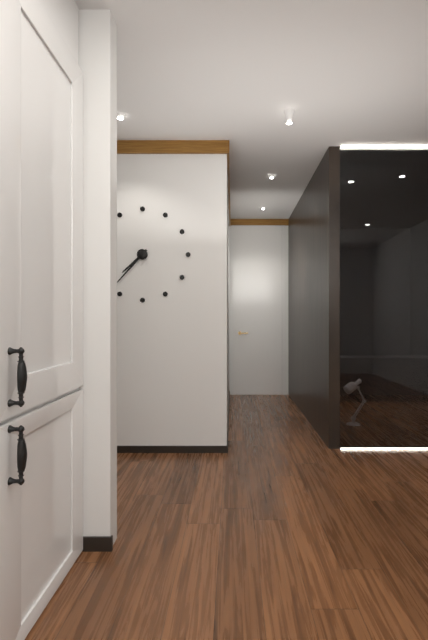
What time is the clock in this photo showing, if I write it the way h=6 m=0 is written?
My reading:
h=7 m=37
